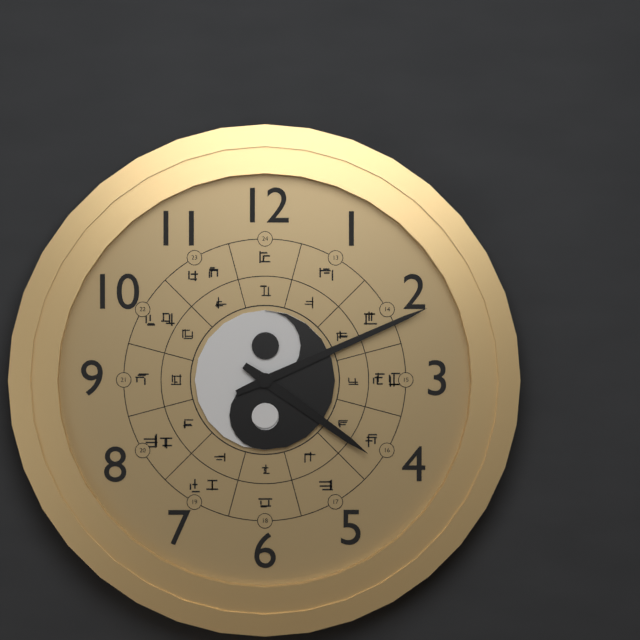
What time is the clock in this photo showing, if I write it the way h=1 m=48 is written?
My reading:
h=4 m=11
